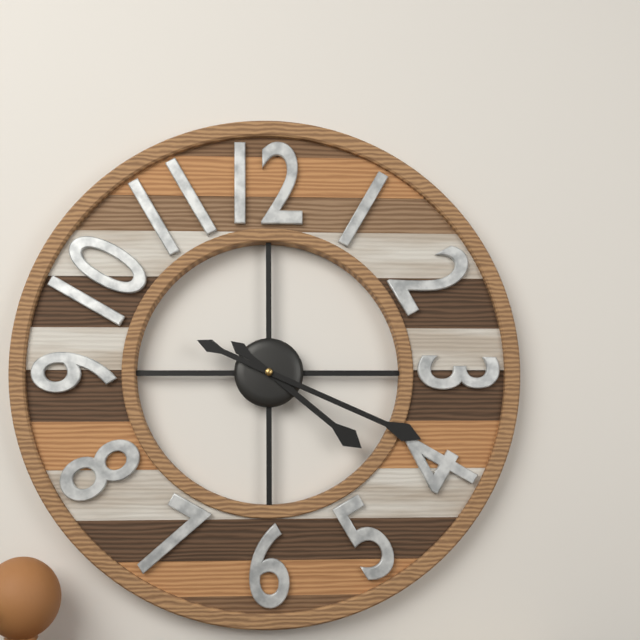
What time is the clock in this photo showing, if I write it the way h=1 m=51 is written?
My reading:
h=4 m=19
